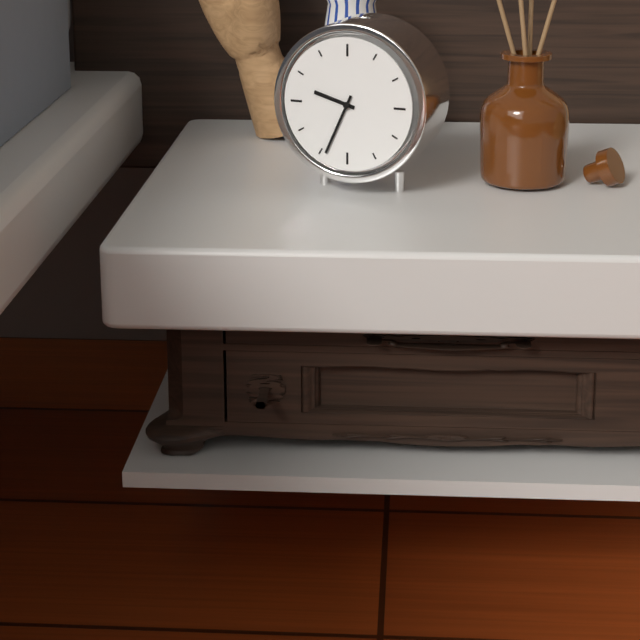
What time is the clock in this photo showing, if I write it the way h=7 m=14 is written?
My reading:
h=9 m=34
